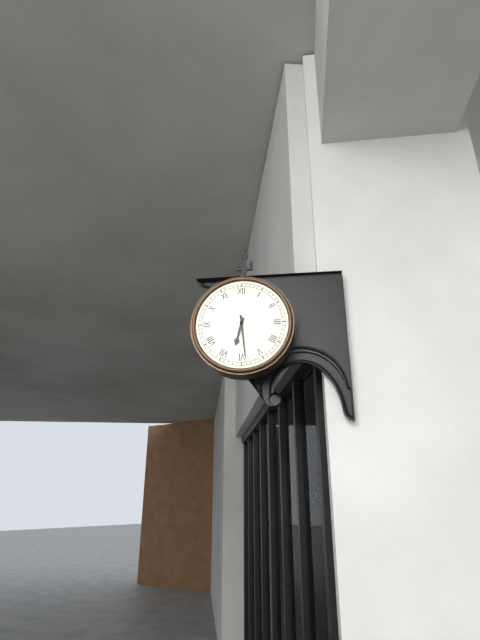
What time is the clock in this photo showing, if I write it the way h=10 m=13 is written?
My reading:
h=6 m=29
